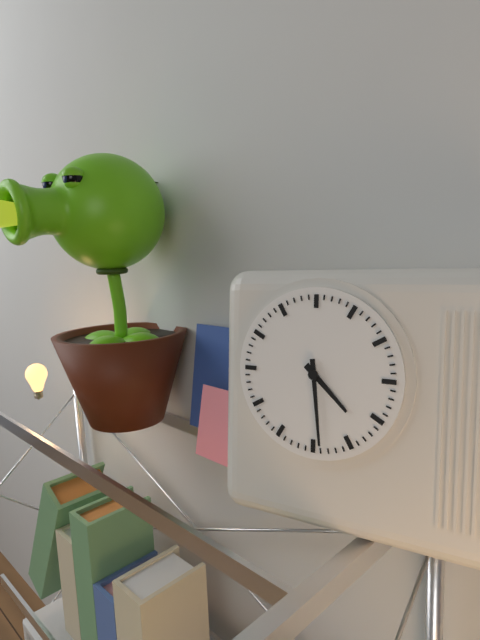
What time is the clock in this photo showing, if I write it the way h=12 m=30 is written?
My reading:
h=4 m=29
